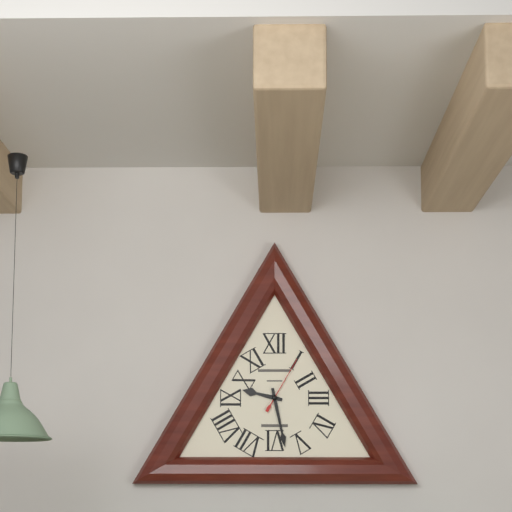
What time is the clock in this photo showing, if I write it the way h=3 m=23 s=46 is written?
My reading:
h=9 m=28 s=5
